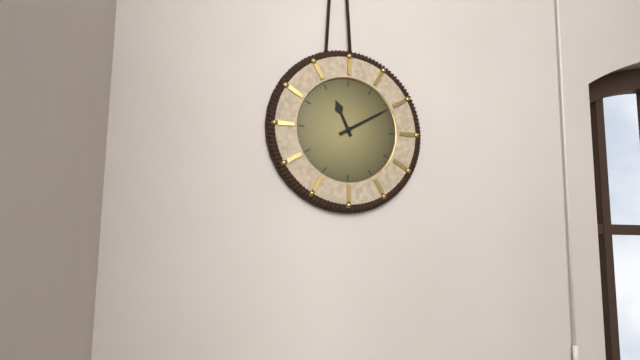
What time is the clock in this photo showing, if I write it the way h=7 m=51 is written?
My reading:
h=11 m=10
